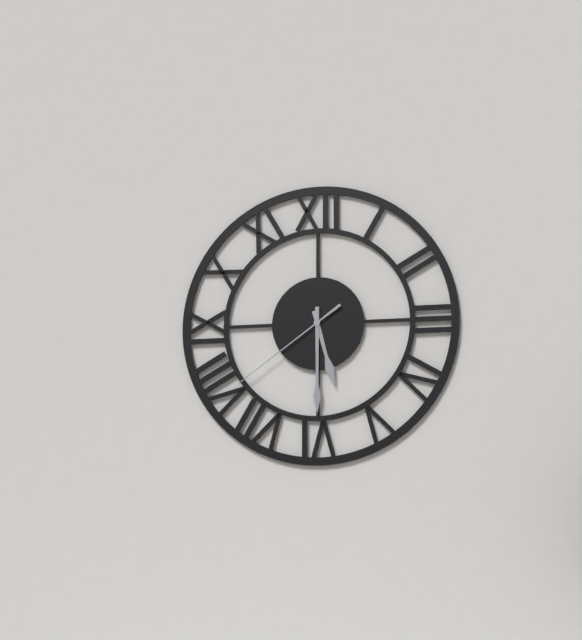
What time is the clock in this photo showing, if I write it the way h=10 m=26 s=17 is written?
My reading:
h=5 m=30 s=39
